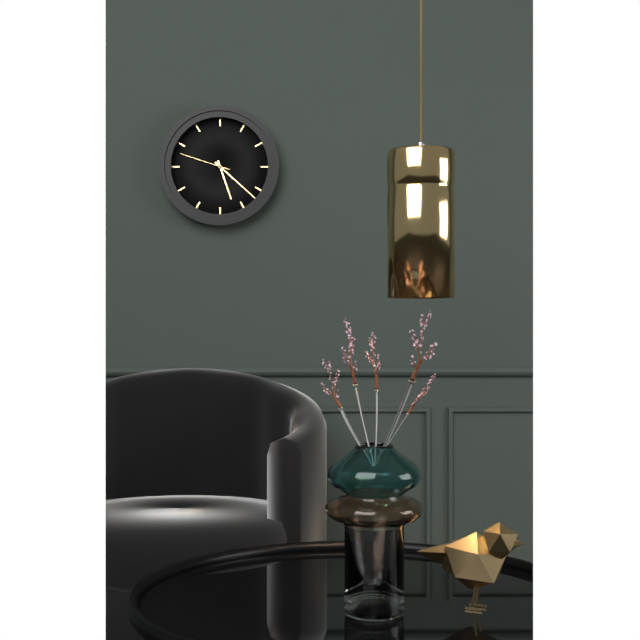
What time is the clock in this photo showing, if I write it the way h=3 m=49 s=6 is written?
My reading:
h=5 m=22 s=48
